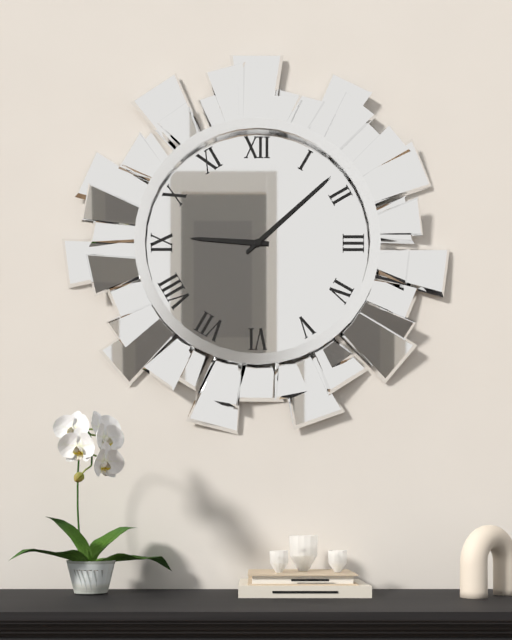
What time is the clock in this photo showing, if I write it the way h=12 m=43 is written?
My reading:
h=9 m=8
